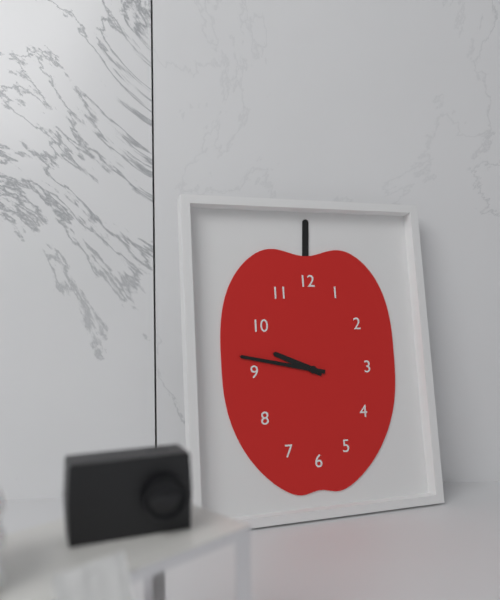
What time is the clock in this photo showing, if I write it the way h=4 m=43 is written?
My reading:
h=9 m=47
